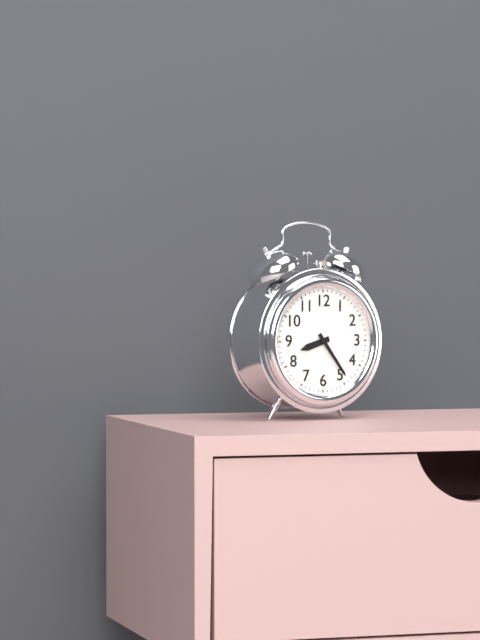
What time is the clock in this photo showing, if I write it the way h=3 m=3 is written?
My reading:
h=8 m=24
